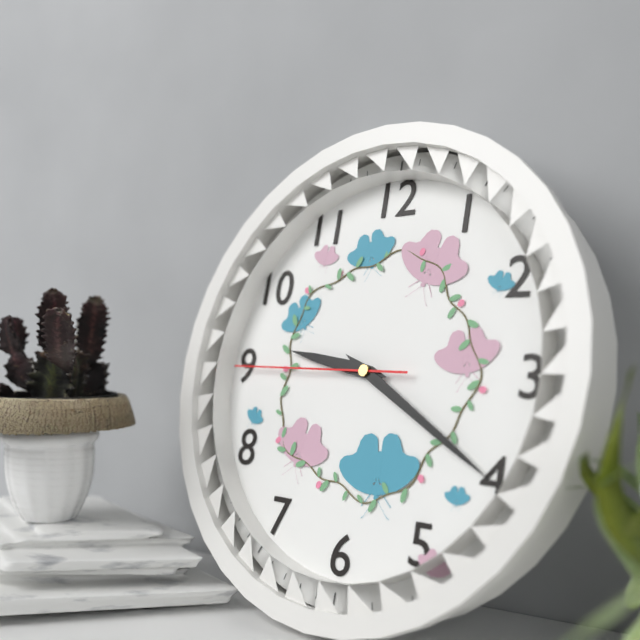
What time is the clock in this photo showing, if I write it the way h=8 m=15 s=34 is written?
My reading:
h=9 m=20 s=45
